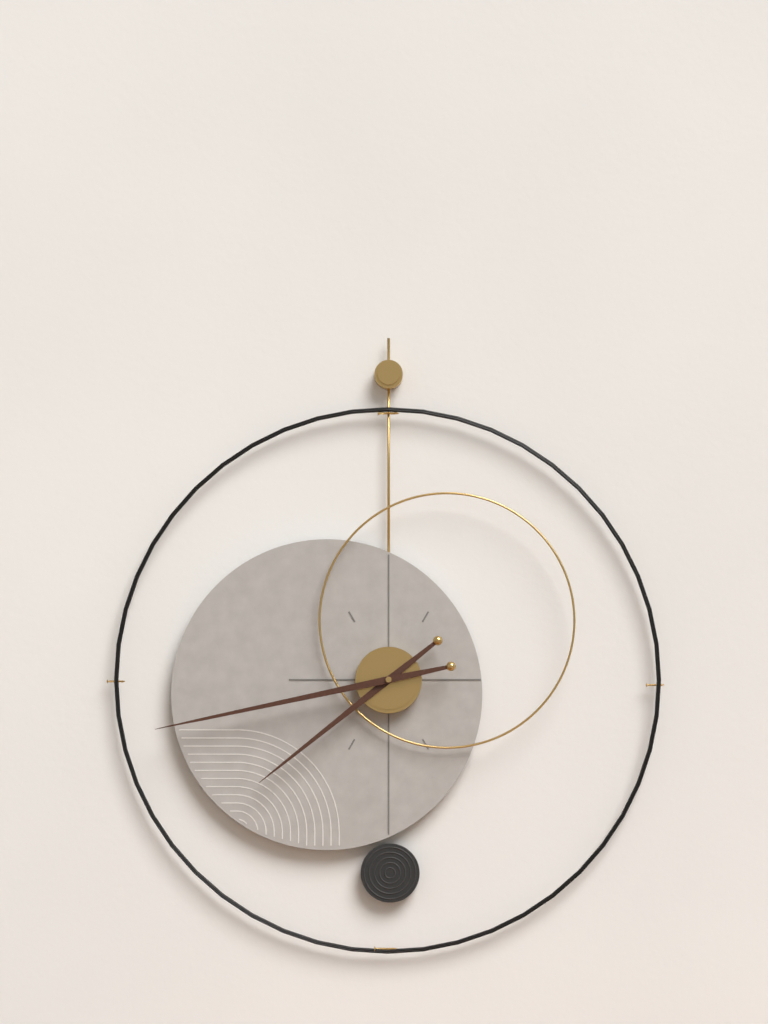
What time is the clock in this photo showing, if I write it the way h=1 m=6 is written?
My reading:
h=7 m=43
